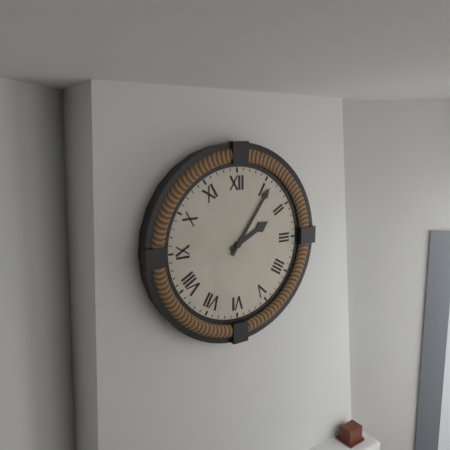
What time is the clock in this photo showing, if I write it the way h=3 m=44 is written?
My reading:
h=2 m=6
